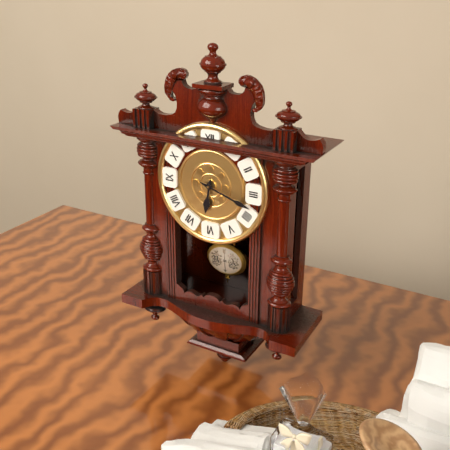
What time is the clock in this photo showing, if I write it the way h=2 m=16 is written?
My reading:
h=6 m=18
